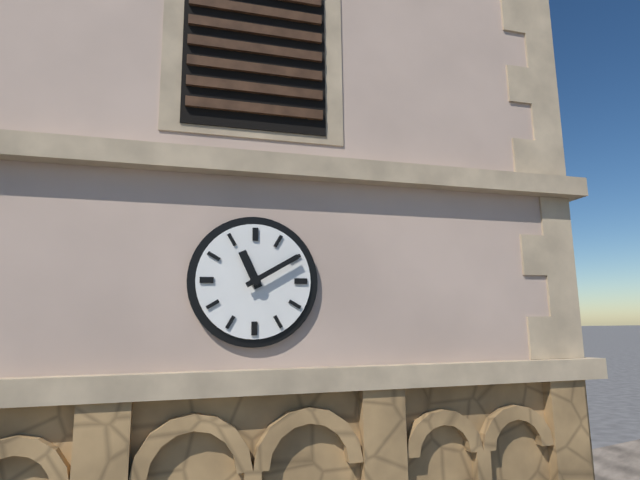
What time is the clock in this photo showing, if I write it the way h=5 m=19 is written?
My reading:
h=11 m=10
